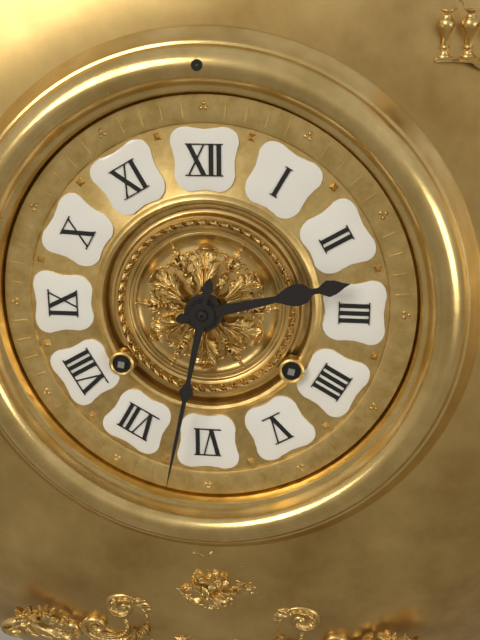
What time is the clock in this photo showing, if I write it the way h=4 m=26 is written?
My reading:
h=2 m=32
